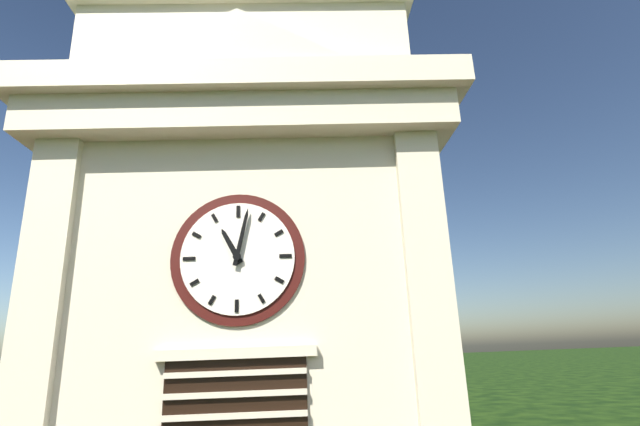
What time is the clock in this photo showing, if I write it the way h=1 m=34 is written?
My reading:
h=11 m=2
